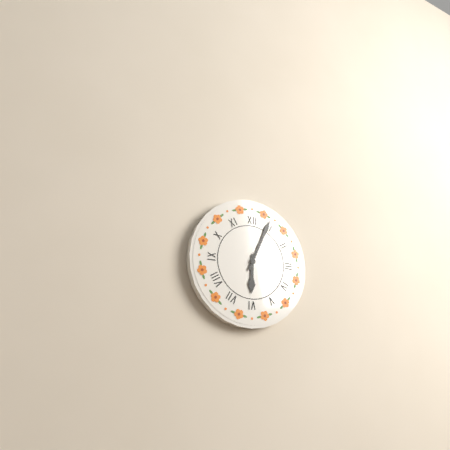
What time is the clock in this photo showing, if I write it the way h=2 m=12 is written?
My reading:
h=6 m=4
